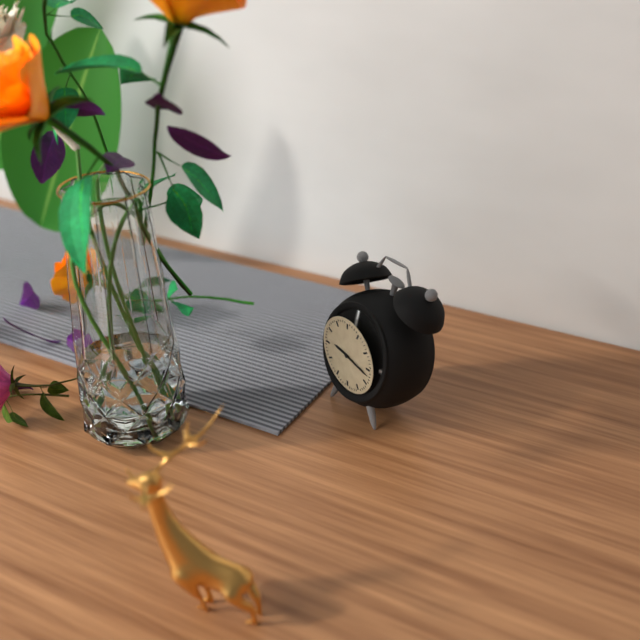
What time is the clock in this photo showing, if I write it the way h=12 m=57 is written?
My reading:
h=9 m=17
